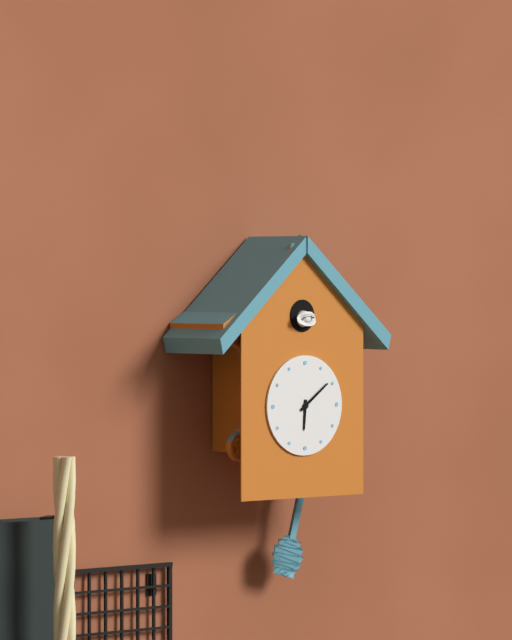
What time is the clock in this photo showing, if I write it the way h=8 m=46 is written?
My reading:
h=6 m=9
